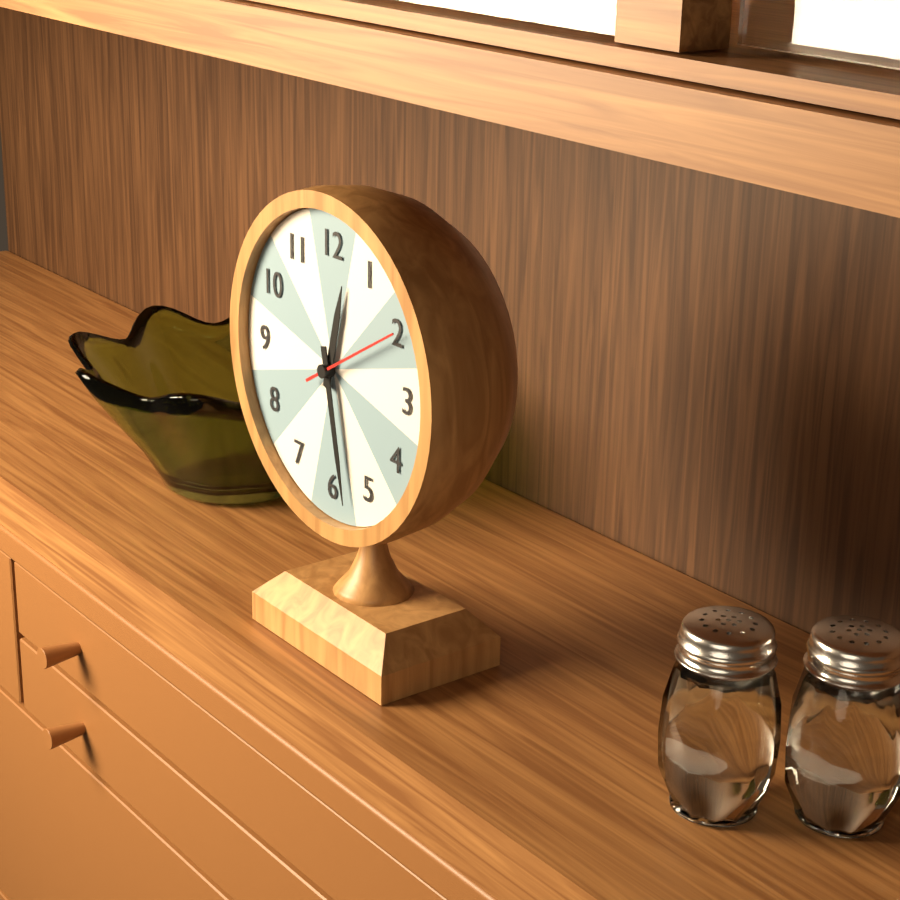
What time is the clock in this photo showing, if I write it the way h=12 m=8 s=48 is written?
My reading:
h=12 m=28 s=10
